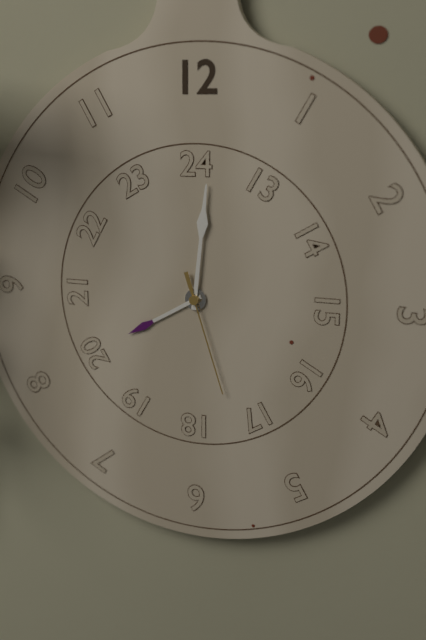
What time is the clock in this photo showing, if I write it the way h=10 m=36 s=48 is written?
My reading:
h=8 m=1 s=27
